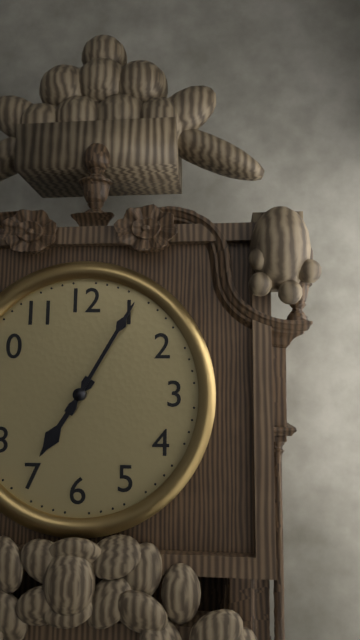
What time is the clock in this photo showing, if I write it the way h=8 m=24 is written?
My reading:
h=7 m=5
